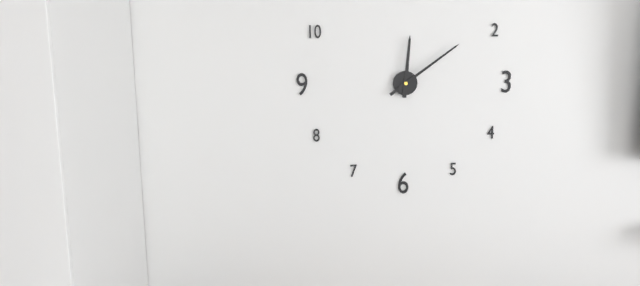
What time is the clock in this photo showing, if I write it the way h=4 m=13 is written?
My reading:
h=12 m=9
